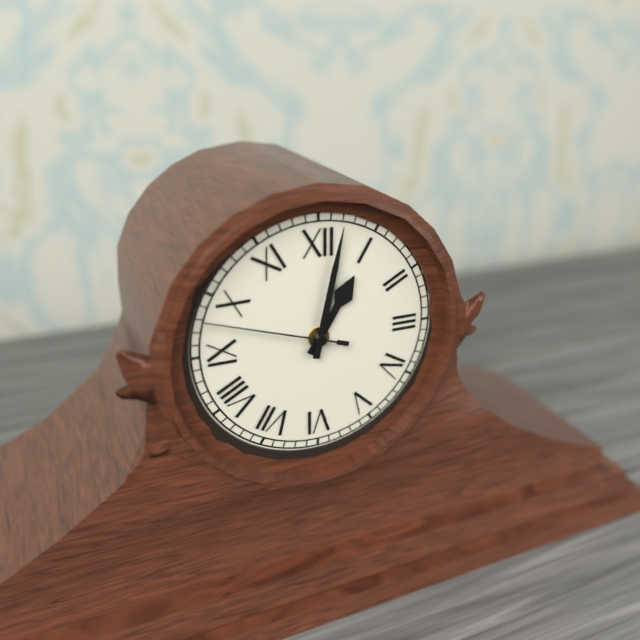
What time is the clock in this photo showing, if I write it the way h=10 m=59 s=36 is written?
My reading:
h=1 m=2 s=48
